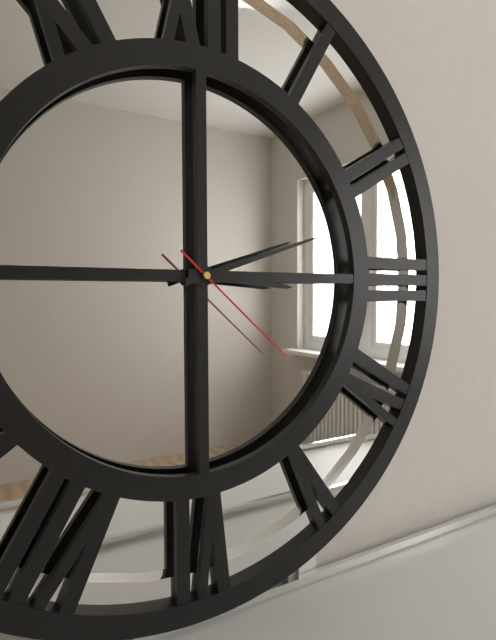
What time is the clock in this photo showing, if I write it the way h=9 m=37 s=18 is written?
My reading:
h=3 m=12 s=22
